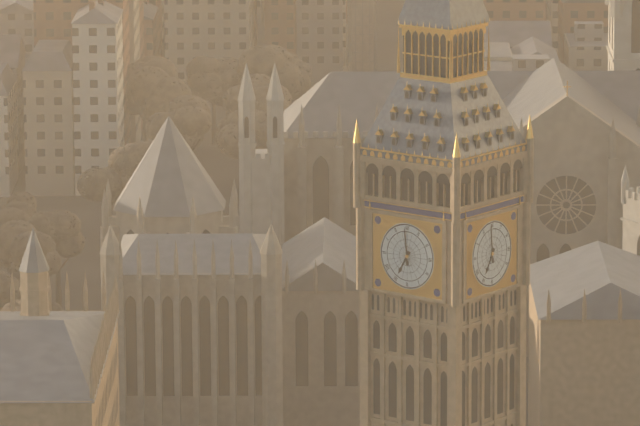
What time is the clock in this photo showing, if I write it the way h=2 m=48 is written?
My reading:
h=6 m=59
